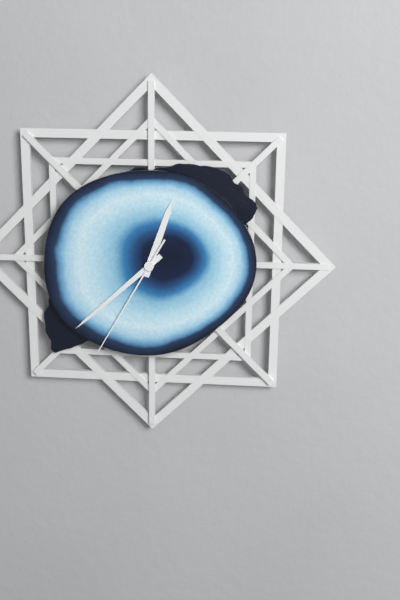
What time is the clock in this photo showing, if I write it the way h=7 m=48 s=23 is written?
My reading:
h=12 m=38 s=35
